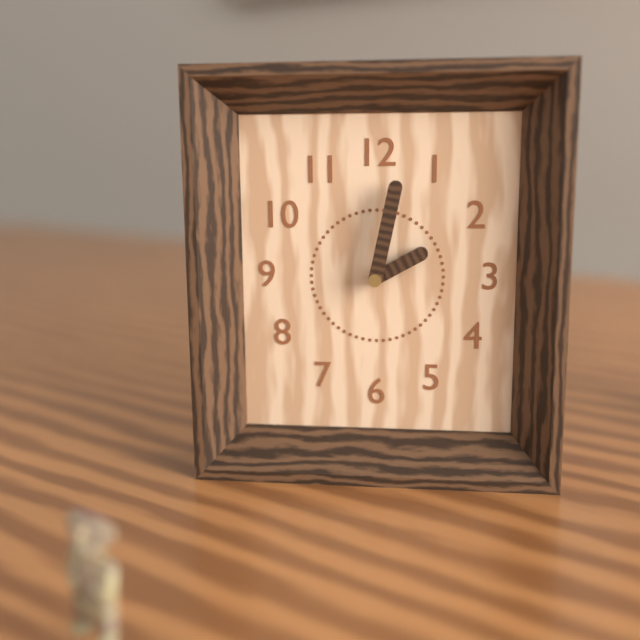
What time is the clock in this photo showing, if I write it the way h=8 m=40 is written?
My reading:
h=2 m=2
